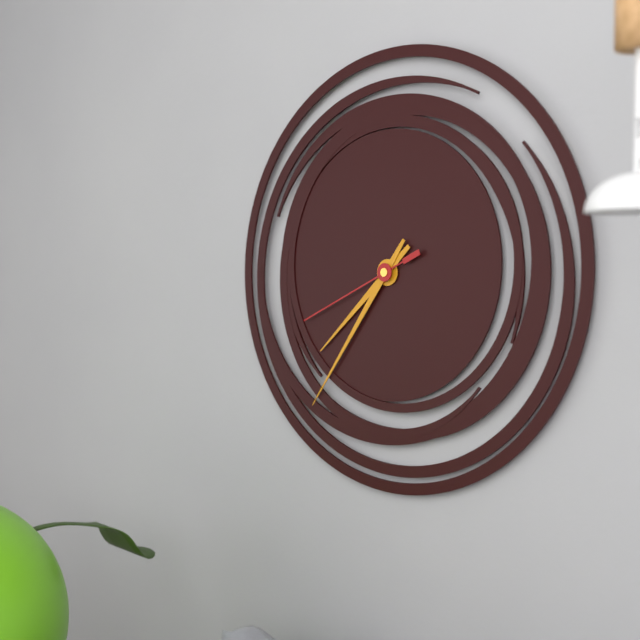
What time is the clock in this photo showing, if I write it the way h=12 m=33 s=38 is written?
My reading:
h=7 m=36 s=41
